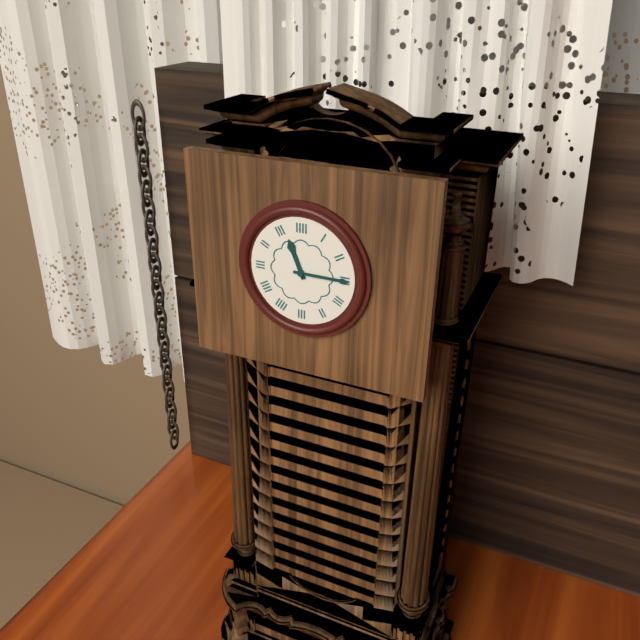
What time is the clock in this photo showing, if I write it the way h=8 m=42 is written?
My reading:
h=11 m=15
